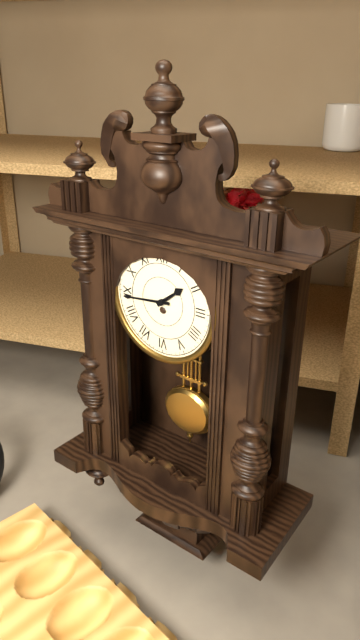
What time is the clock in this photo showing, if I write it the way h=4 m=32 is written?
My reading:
h=1 m=44
